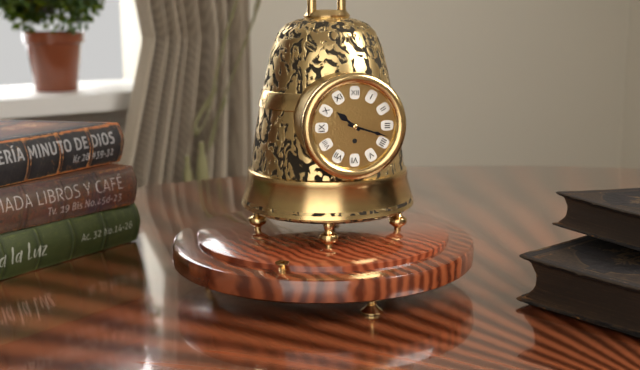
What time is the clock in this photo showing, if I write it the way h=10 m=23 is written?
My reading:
h=10 m=18
